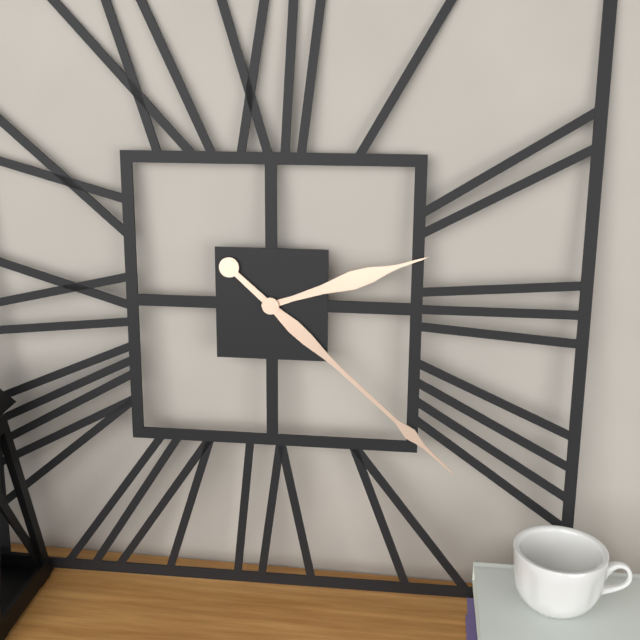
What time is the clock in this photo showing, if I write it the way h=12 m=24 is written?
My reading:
h=2 m=22
